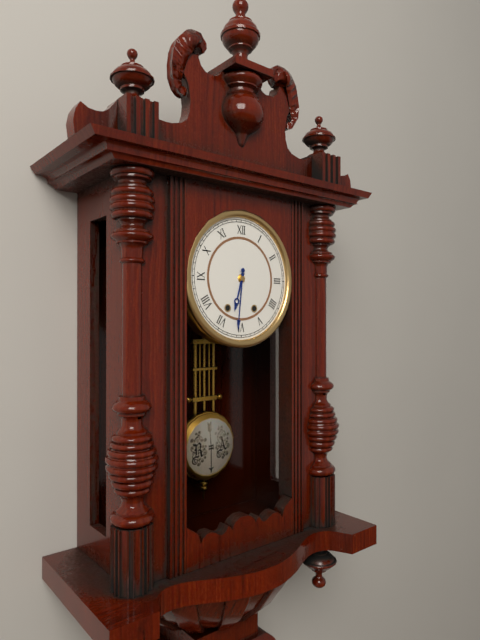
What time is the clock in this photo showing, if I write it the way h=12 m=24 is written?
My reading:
h=6 m=31
